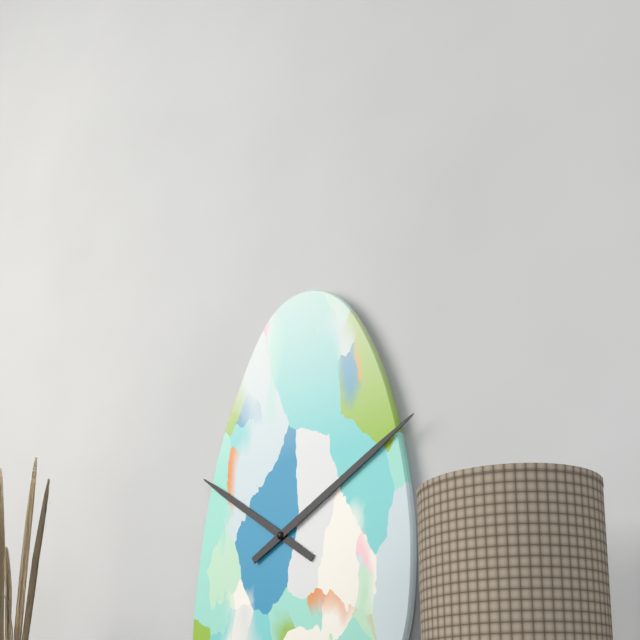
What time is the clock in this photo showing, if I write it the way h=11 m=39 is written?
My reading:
h=10 m=10
